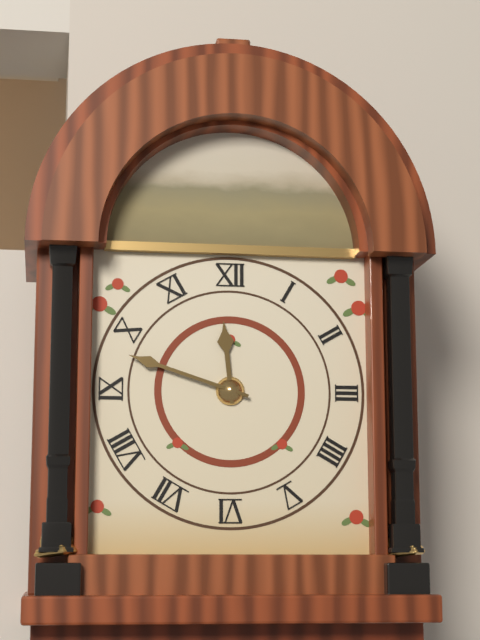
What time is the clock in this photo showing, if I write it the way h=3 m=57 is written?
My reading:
h=11 m=48
